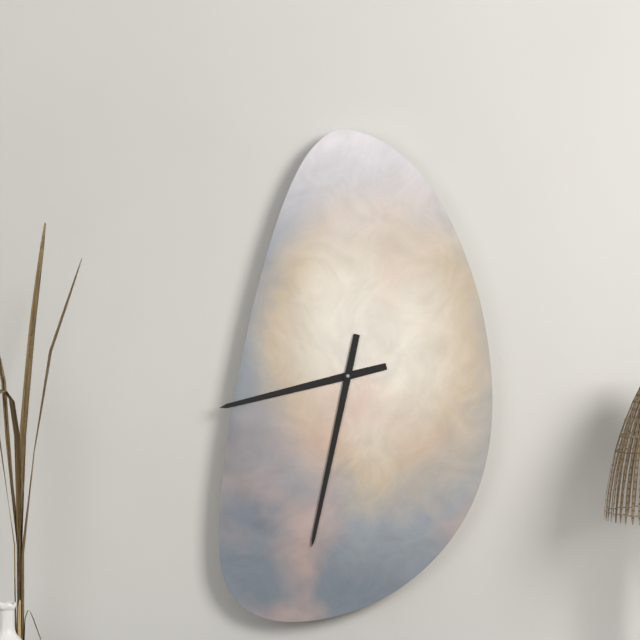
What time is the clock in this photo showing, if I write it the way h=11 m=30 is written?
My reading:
h=8 m=32
